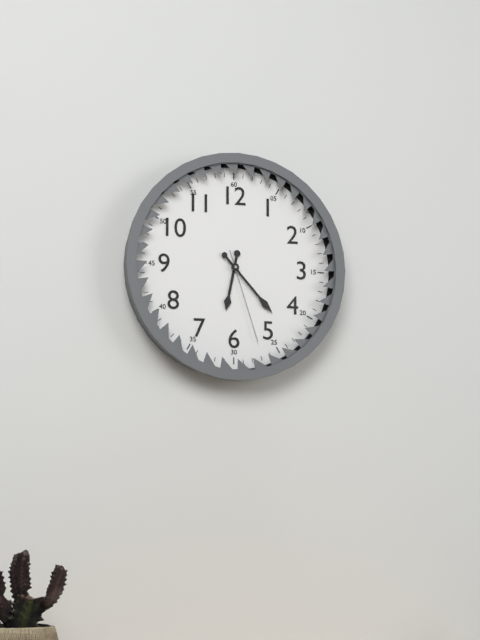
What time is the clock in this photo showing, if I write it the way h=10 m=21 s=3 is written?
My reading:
h=6 m=23 s=27
